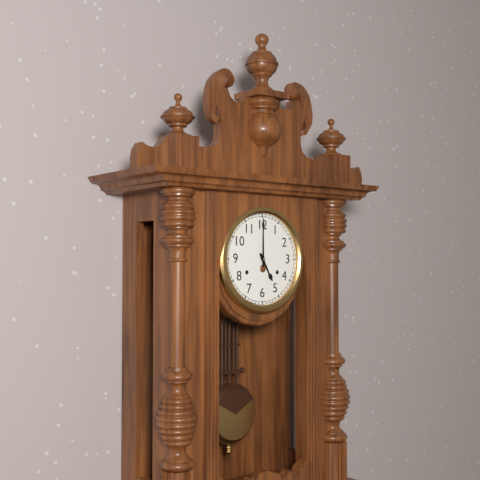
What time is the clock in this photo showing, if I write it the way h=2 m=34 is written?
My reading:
h=5 m=0
